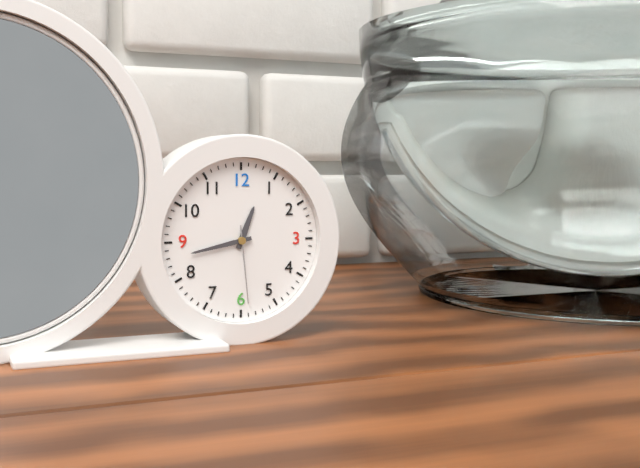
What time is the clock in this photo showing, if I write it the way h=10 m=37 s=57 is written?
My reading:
h=12 m=43 s=29
